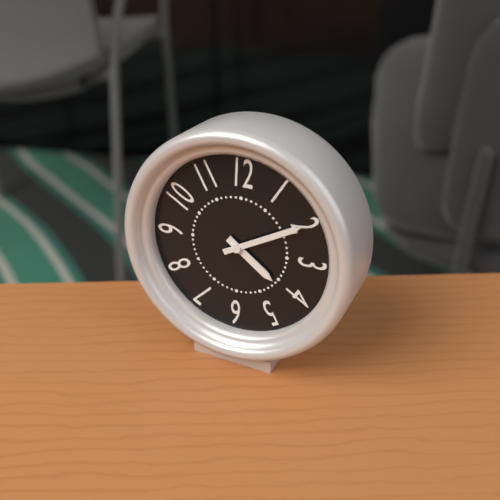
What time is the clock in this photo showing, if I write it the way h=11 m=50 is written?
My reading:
h=4 m=10
